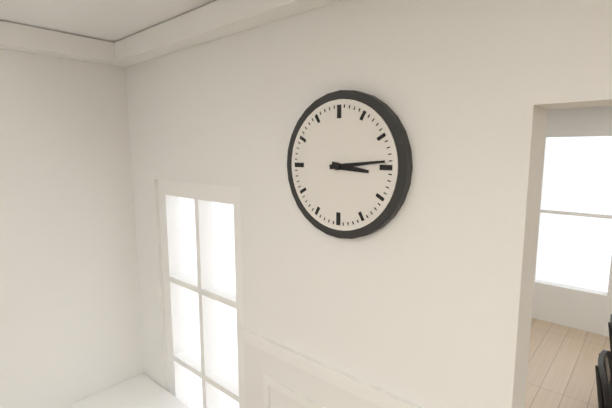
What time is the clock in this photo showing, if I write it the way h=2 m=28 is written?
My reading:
h=3 m=14
